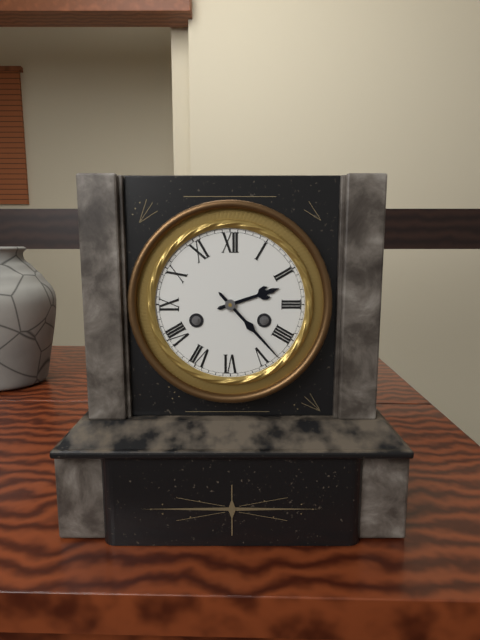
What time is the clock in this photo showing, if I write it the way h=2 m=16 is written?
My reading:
h=2 m=23
